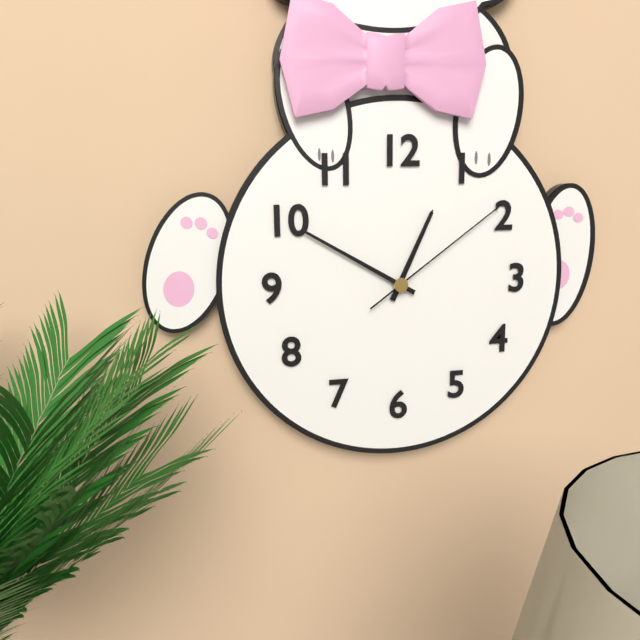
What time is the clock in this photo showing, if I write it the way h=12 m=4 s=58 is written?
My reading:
h=12 m=50 s=9
